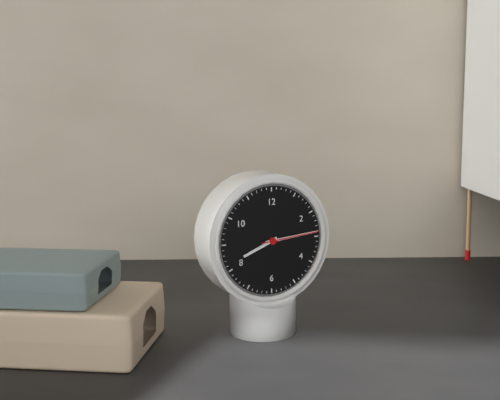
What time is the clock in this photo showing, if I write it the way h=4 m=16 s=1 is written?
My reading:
h=8 m=14 s=14
